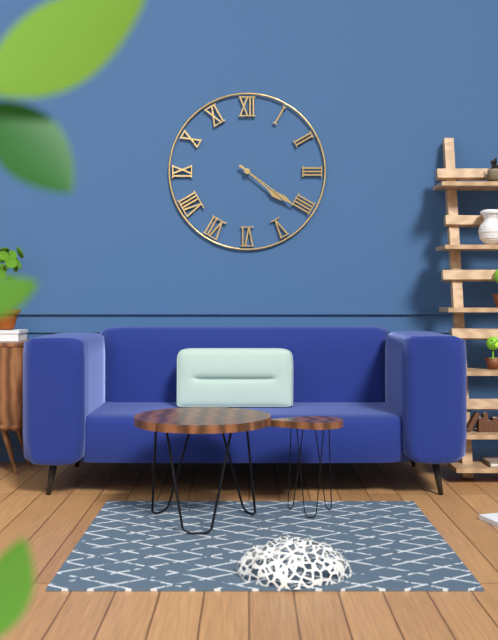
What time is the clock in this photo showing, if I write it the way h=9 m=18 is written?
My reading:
h=4 m=21
